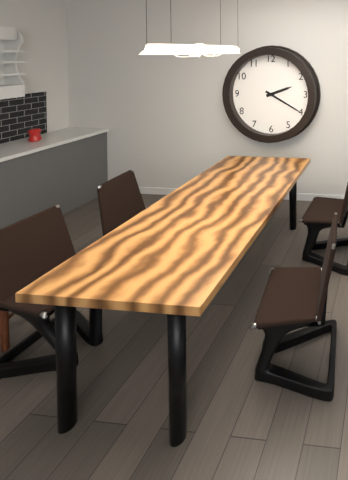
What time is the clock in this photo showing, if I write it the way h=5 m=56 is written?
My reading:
h=2 m=20
